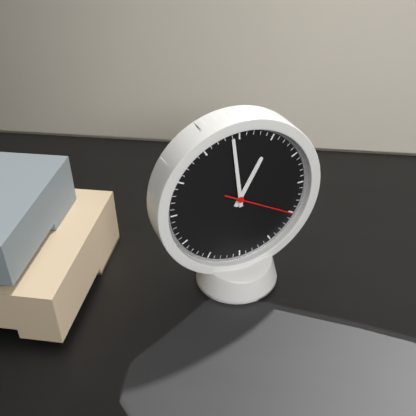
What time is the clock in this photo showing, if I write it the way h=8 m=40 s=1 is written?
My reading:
h=12 m=59 s=20
